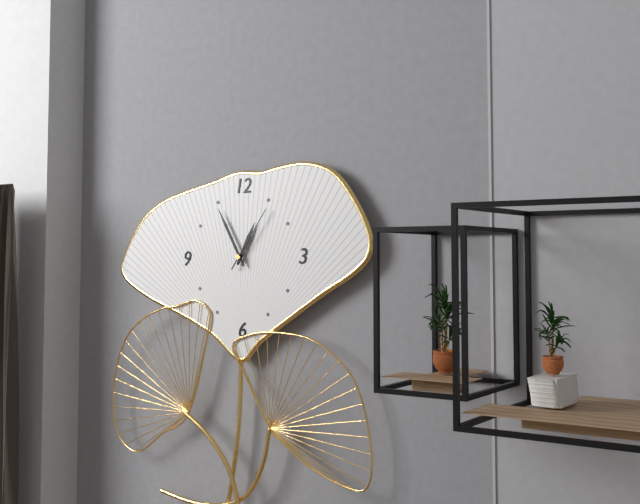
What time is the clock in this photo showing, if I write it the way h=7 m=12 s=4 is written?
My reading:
h=12 m=55 s=6
